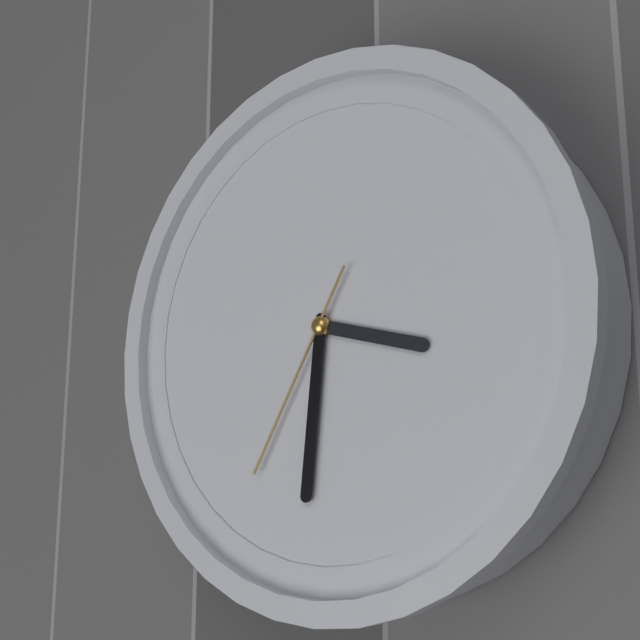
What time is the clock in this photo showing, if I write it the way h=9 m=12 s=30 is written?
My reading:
h=3 m=31 s=35
